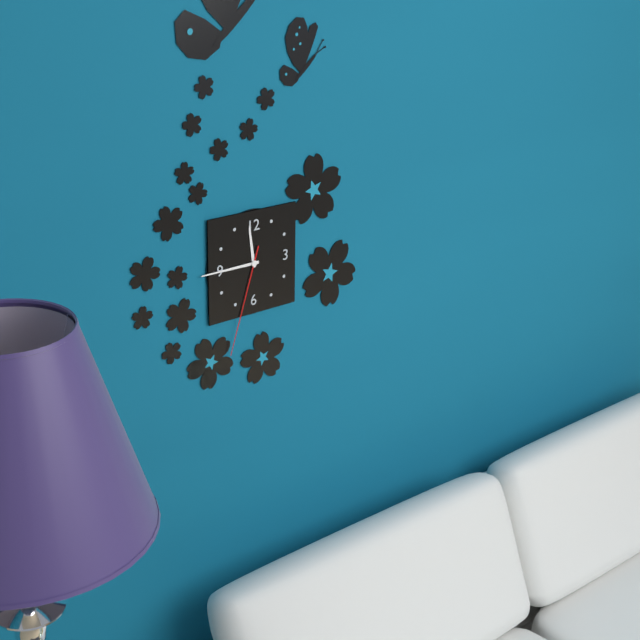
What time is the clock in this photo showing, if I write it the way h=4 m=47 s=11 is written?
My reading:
h=11 m=45 s=33
